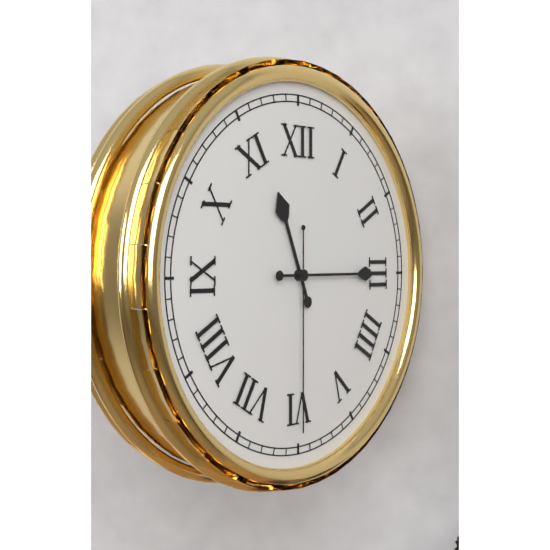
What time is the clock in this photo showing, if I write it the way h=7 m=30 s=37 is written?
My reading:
h=11 m=15 s=30
